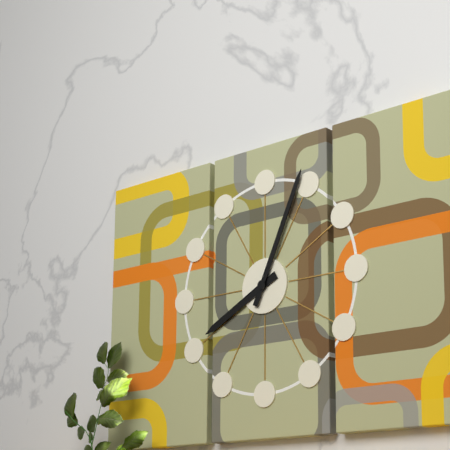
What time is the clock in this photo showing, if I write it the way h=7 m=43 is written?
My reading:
h=8 m=4
